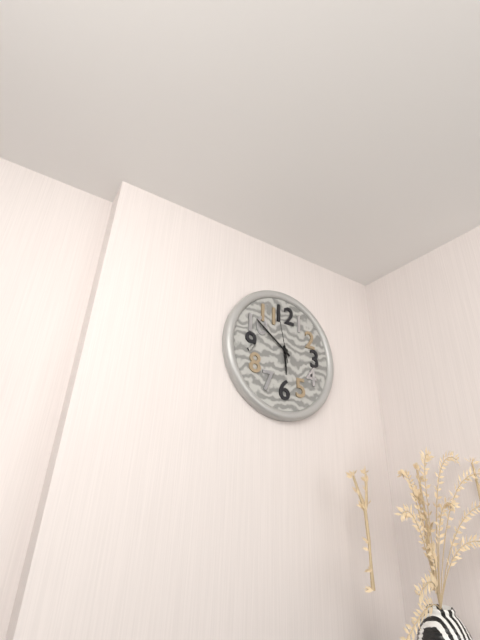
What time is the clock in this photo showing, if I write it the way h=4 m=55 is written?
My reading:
h=5 m=51
